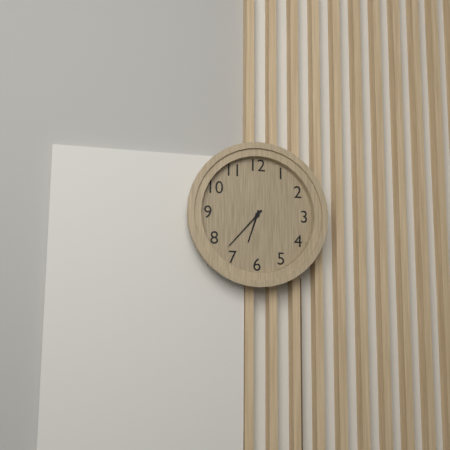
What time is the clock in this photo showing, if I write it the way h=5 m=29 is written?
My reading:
h=6 m=37
